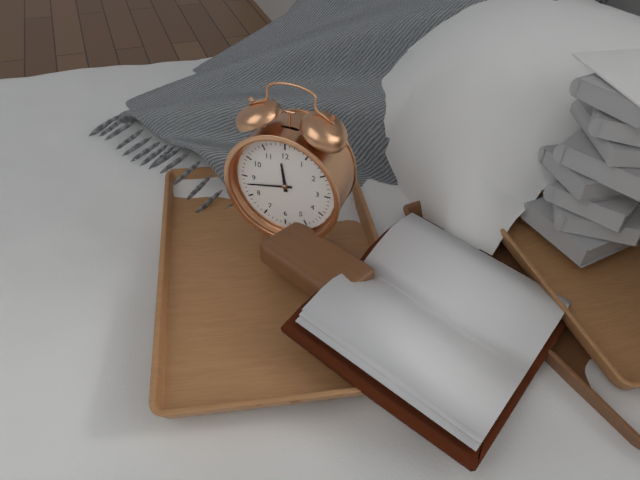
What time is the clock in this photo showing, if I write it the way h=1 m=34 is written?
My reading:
h=11 m=43
